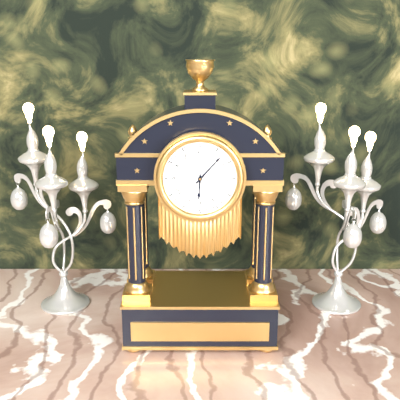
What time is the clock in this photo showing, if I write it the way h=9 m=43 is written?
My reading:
h=6 m=7
